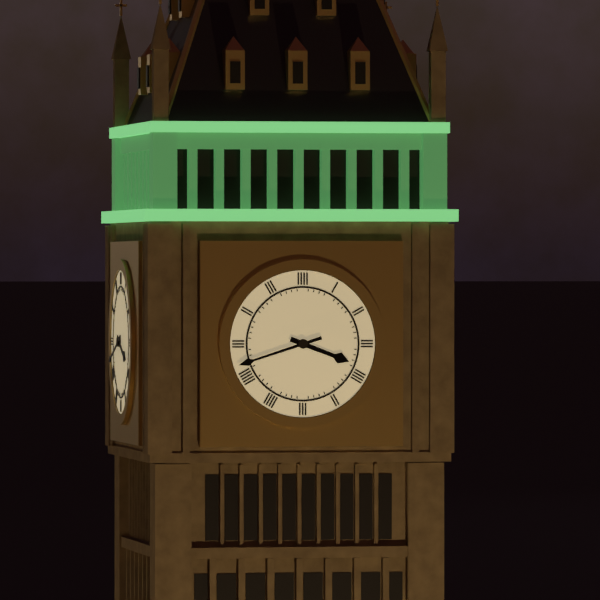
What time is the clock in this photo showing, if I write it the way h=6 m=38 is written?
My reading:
h=3 m=42
